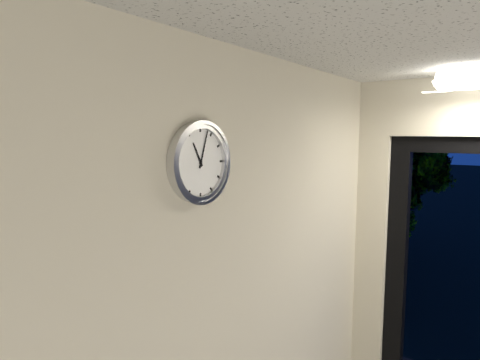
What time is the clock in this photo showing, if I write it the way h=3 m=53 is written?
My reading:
h=11 m=3
